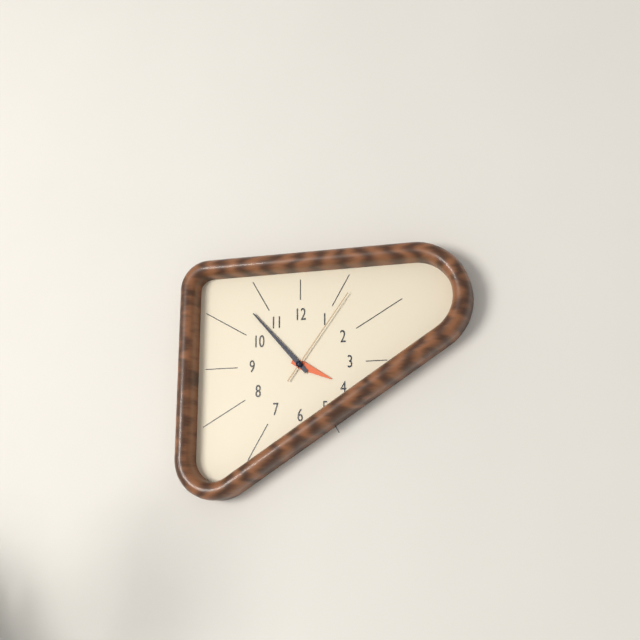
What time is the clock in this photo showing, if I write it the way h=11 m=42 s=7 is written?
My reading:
h=3 m=53 s=6
